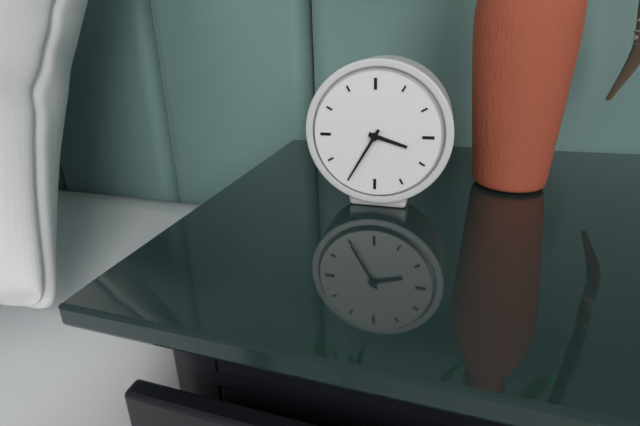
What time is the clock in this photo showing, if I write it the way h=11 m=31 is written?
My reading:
h=3 m=35
